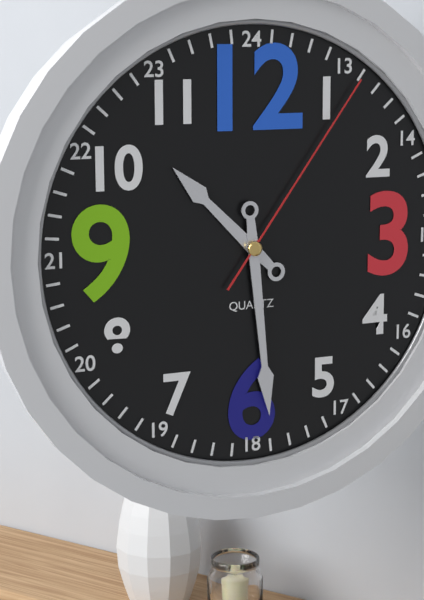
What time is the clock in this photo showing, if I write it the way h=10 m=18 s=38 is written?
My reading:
h=10 m=29 s=6
